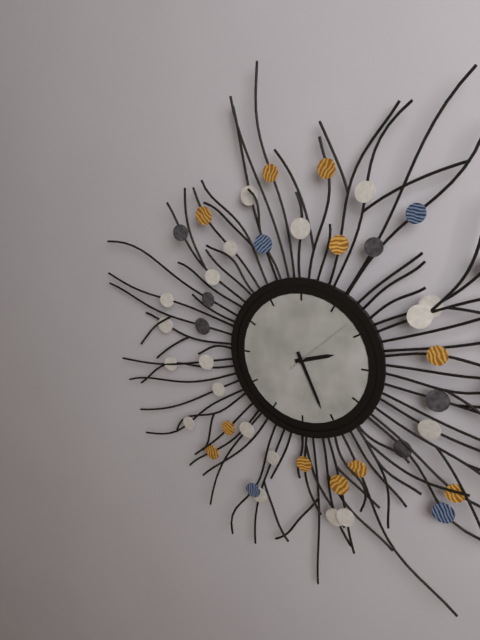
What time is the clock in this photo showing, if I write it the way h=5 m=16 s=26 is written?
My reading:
h=2 m=26 s=8
